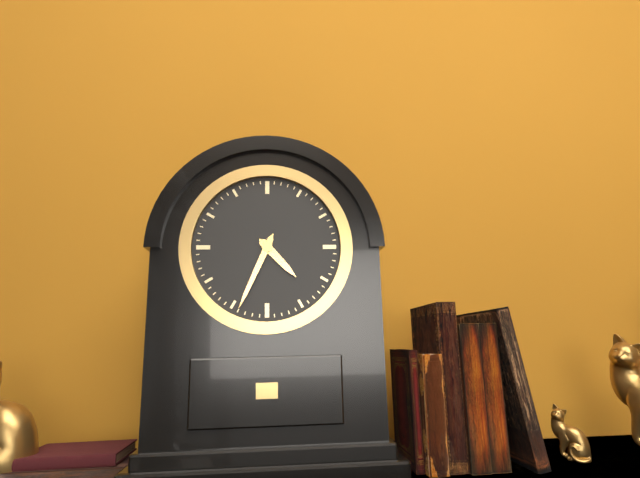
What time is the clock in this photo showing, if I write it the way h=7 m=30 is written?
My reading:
h=4 m=34
